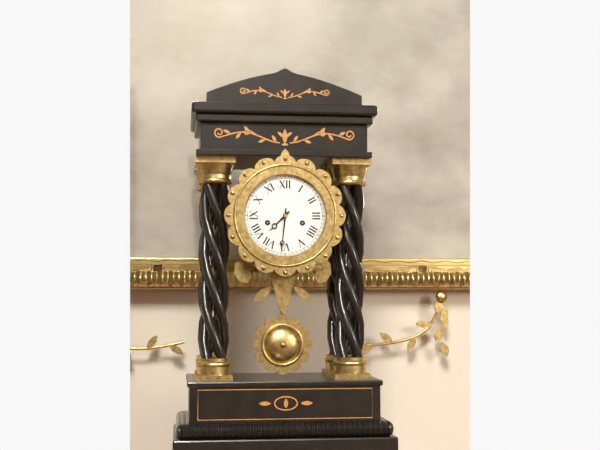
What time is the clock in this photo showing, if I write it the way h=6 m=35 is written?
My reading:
h=7 m=31
